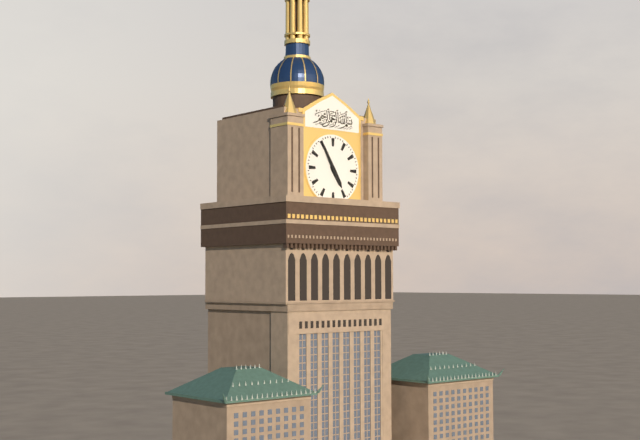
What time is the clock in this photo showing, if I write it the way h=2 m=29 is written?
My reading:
h=4 m=55
